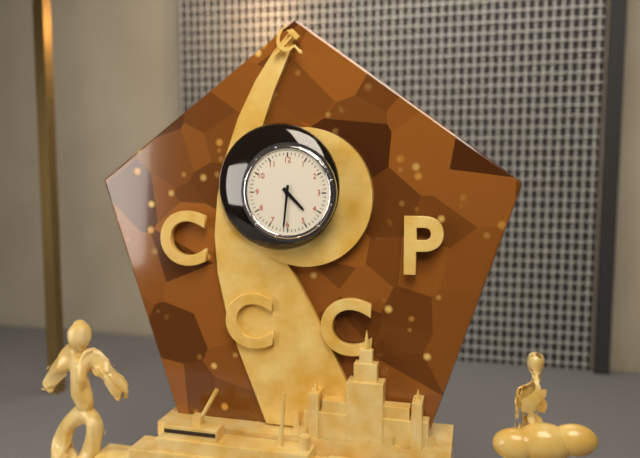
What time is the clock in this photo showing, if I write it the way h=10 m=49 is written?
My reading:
h=4 m=31
